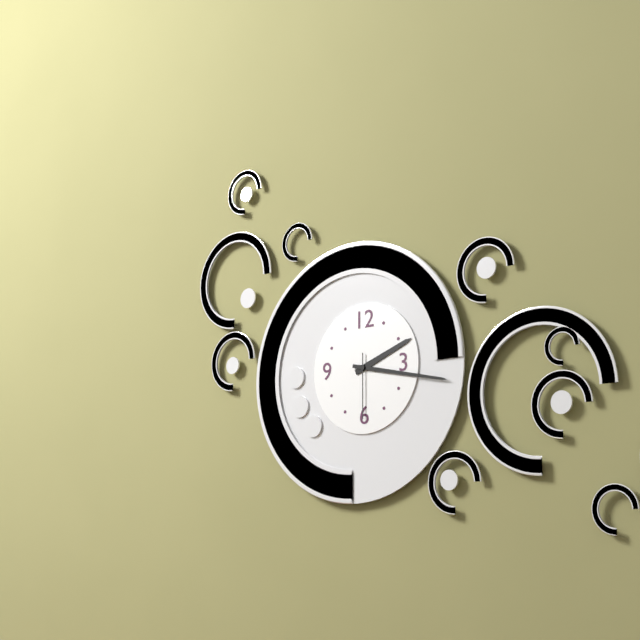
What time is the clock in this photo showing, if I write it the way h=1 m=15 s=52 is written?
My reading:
h=2 m=17 s=30
